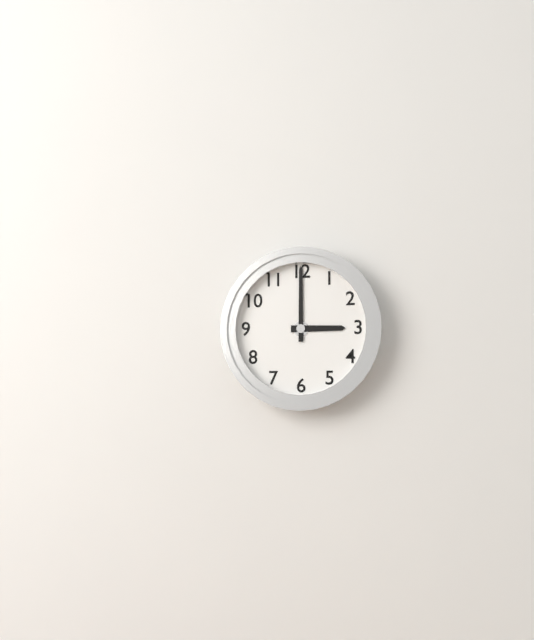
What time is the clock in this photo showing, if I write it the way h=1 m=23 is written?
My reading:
h=3 m=0
